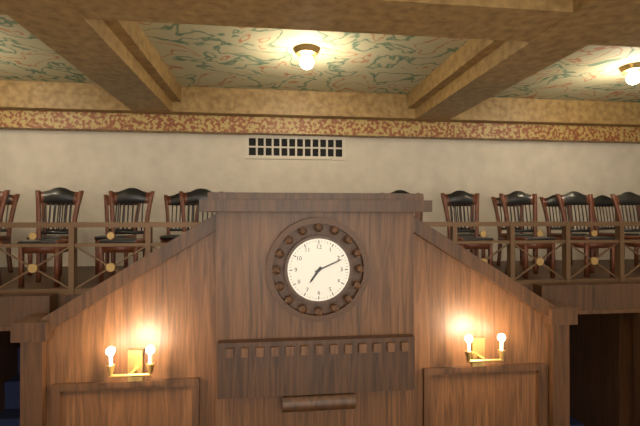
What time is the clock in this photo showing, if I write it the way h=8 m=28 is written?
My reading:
h=7 m=11
